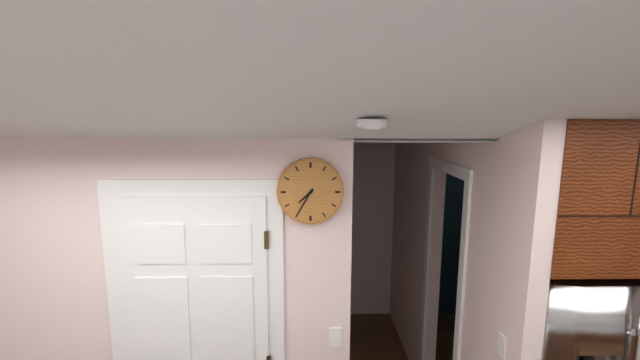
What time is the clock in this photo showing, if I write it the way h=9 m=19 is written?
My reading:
h=7 m=35
